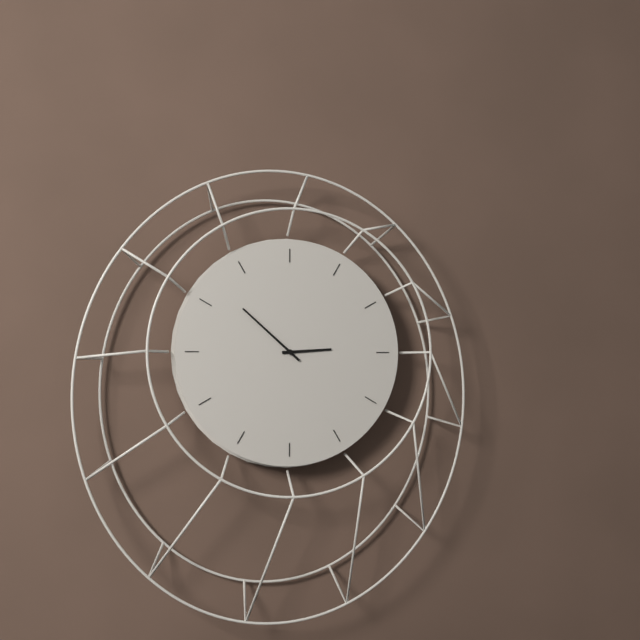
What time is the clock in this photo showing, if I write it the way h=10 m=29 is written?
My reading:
h=2 m=52
